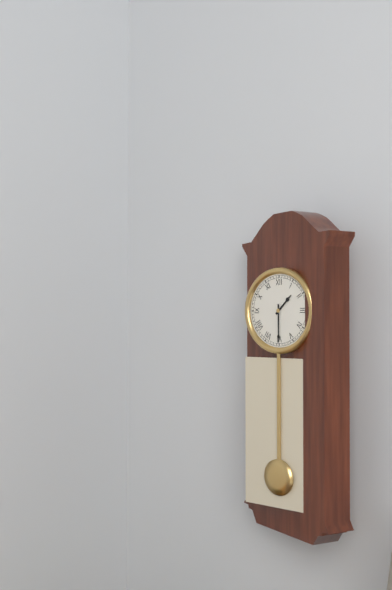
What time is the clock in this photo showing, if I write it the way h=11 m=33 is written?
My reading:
h=1 m=30
